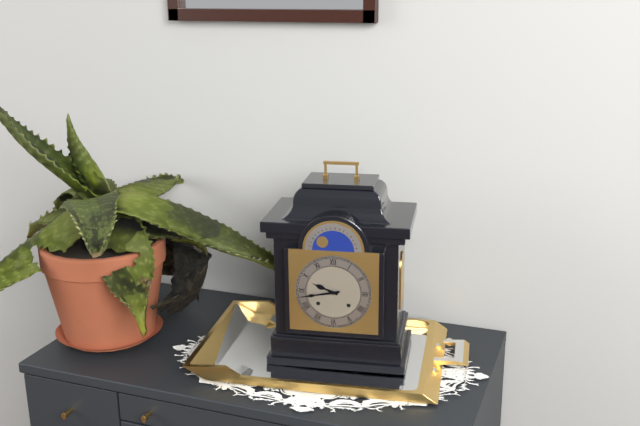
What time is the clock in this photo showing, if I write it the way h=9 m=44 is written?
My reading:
h=9 m=43
